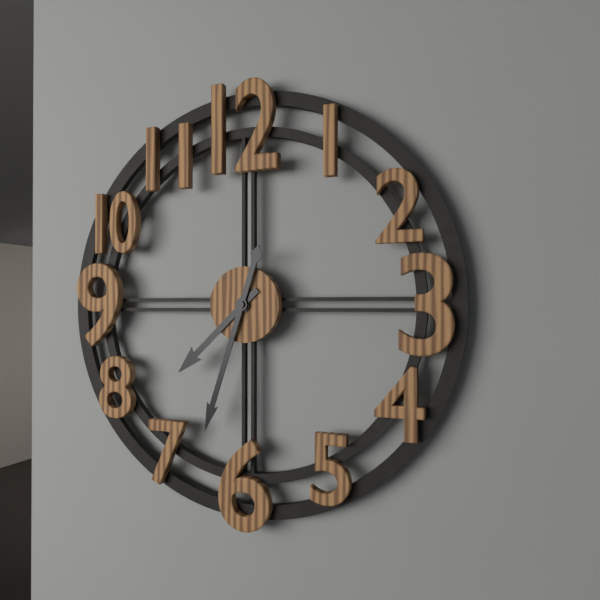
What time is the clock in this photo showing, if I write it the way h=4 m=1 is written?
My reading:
h=7 m=33
